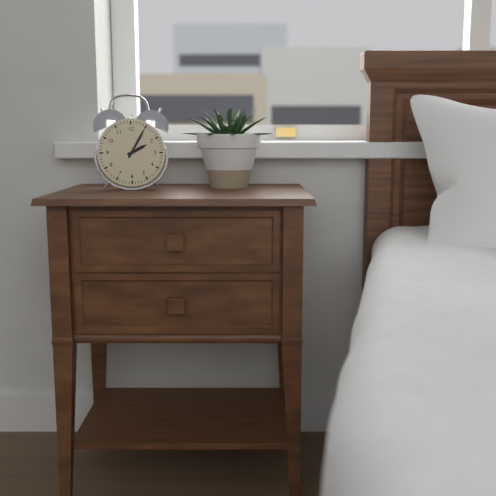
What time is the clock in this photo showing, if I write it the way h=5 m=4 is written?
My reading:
h=2 m=5
